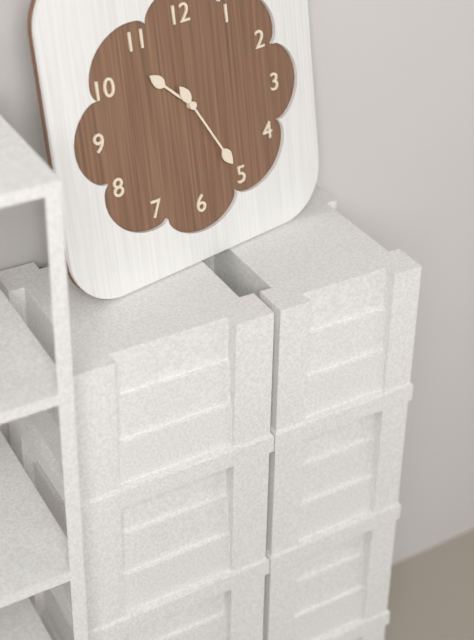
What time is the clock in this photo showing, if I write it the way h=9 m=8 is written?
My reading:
h=10 m=25
